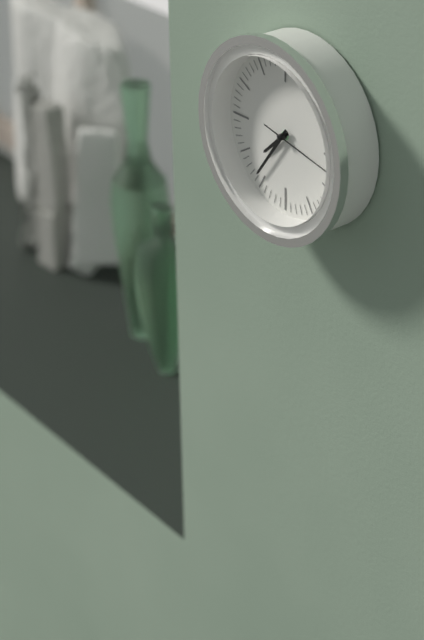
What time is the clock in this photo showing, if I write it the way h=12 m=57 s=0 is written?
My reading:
h=7 m=36 s=17
